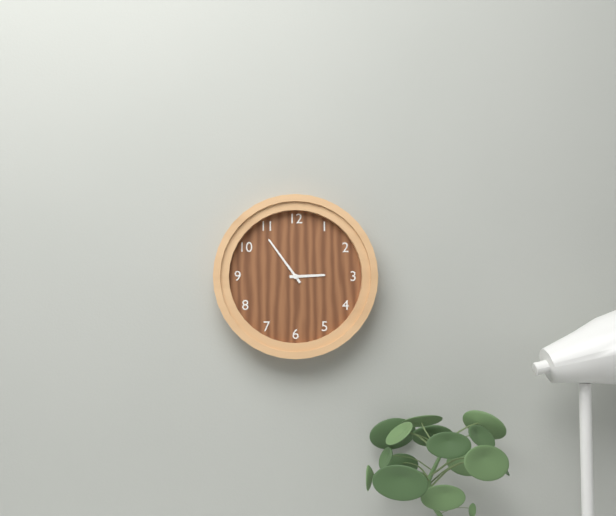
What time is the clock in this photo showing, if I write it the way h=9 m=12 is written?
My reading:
h=2 m=54
